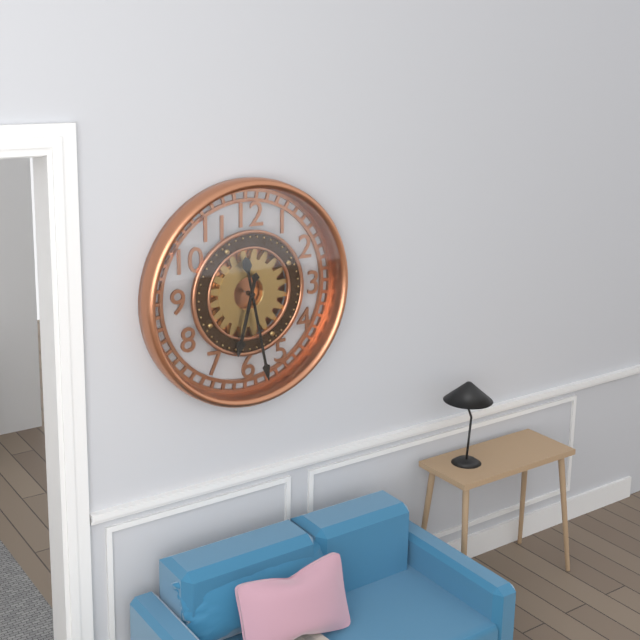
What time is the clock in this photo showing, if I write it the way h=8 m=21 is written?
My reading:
h=6 m=28
